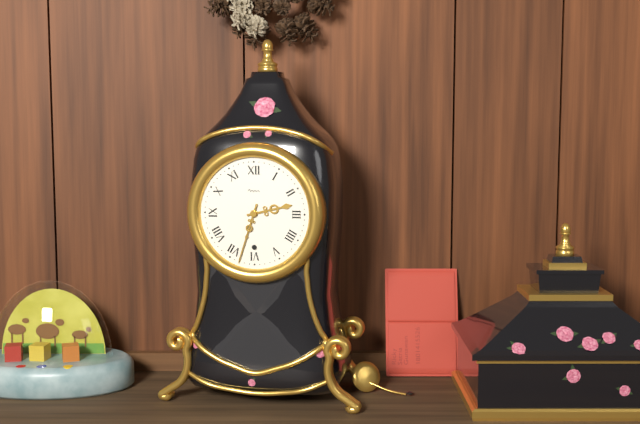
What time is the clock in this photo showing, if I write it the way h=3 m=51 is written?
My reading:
h=2 m=33
